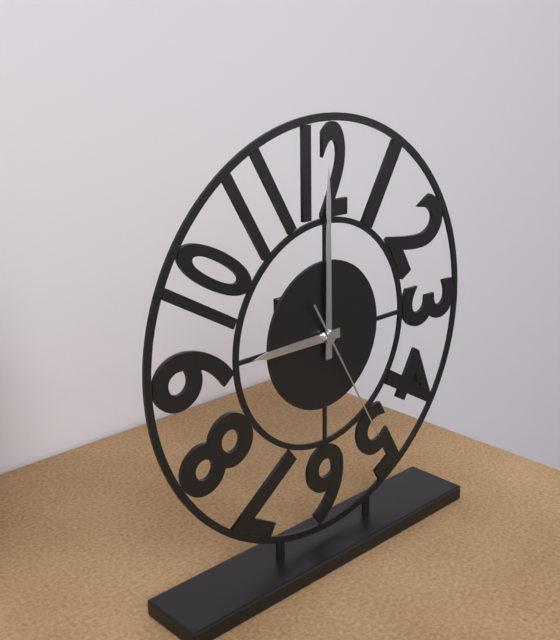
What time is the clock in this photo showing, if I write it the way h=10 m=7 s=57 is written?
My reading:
h=9 m=0 s=25
